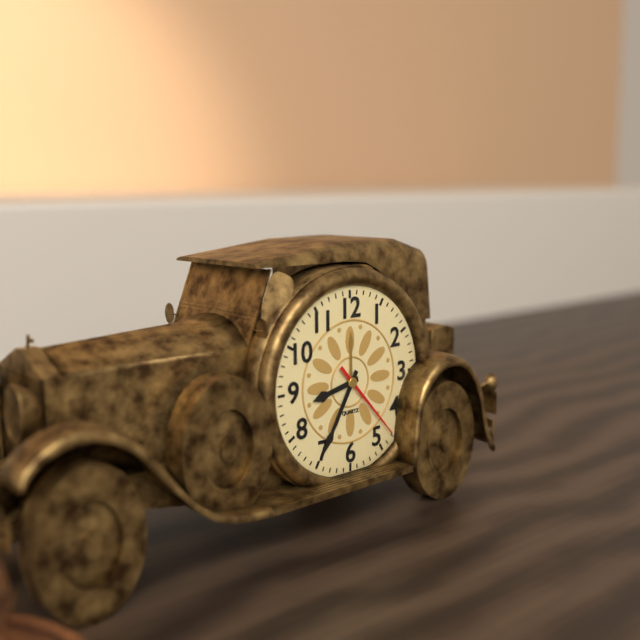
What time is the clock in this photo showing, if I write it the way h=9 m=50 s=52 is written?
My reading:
h=8 m=35 s=23
